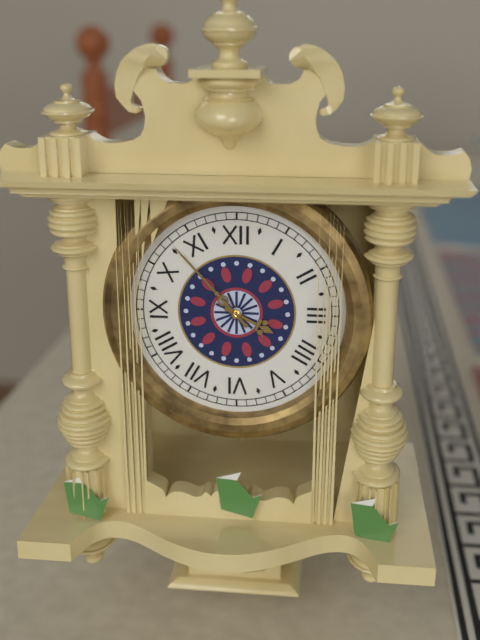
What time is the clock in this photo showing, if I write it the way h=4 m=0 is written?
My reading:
h=3 m=53
